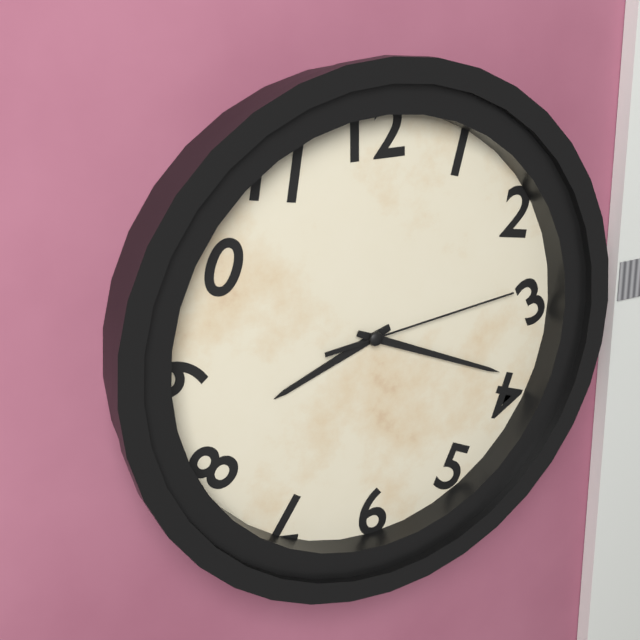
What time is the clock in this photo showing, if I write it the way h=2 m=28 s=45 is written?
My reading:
h=8 m=19 s=14
